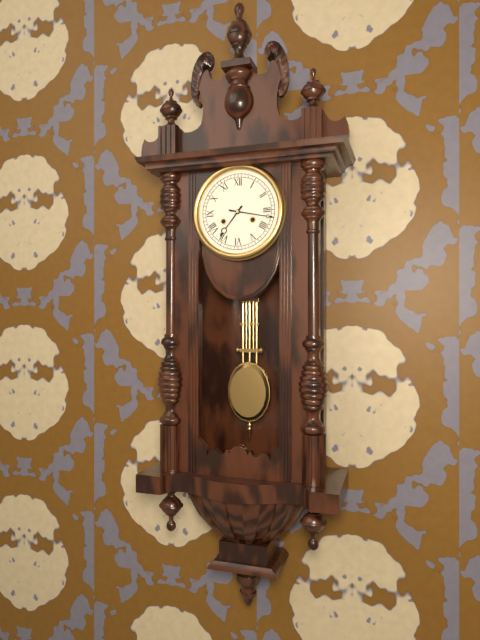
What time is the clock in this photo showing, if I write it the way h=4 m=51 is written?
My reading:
h=7 m=17
